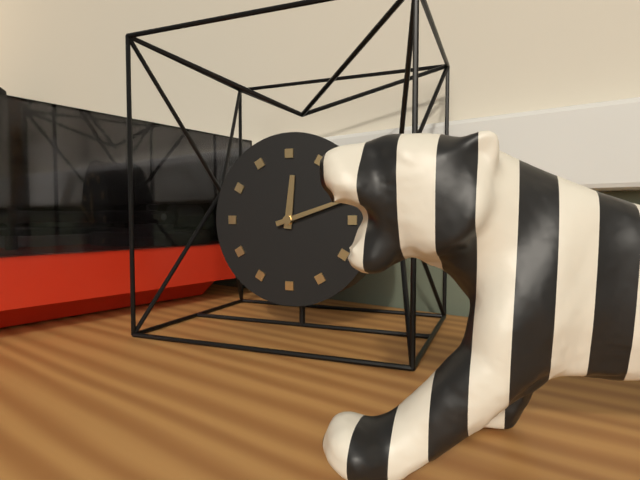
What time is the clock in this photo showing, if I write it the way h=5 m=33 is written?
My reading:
h=12 m=12
